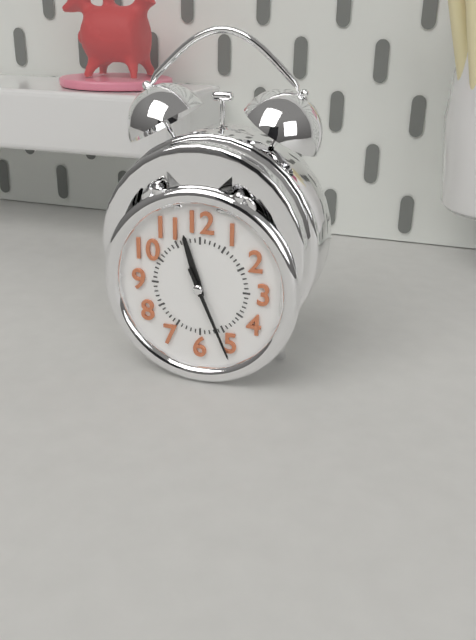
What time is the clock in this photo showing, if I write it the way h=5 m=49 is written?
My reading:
h=11 m=26
